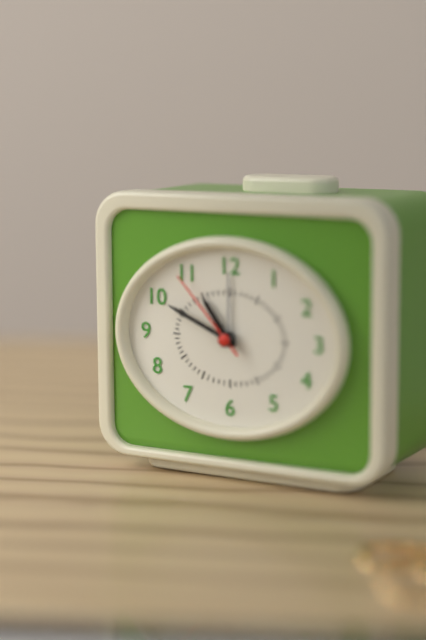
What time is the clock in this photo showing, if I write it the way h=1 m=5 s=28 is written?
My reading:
h=10 m=49 s=53
